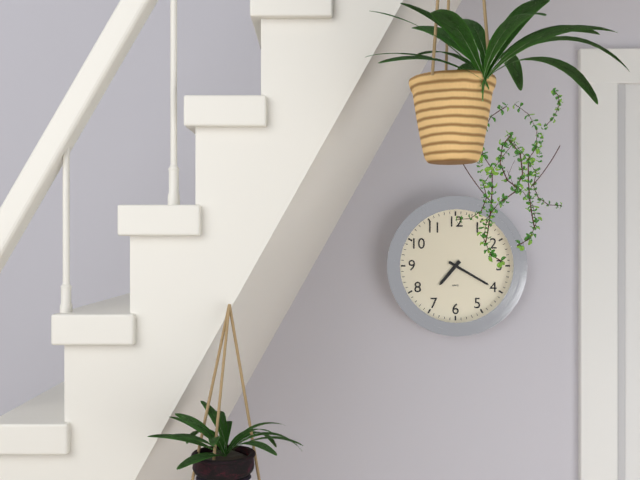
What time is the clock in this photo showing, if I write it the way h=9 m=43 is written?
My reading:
h=7 m=20
